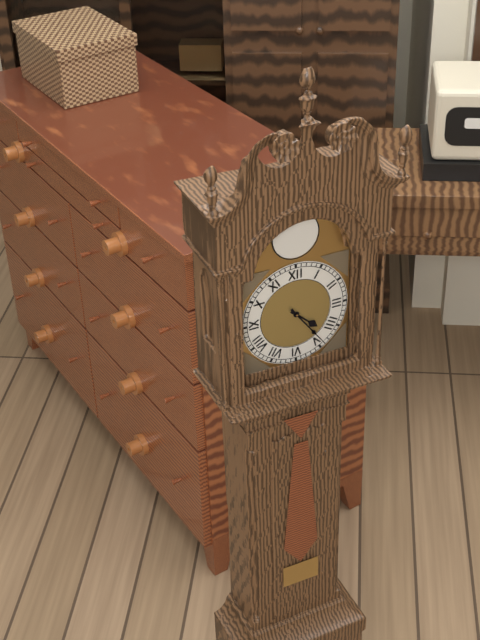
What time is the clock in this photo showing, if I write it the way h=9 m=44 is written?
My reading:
h=4 m=24
